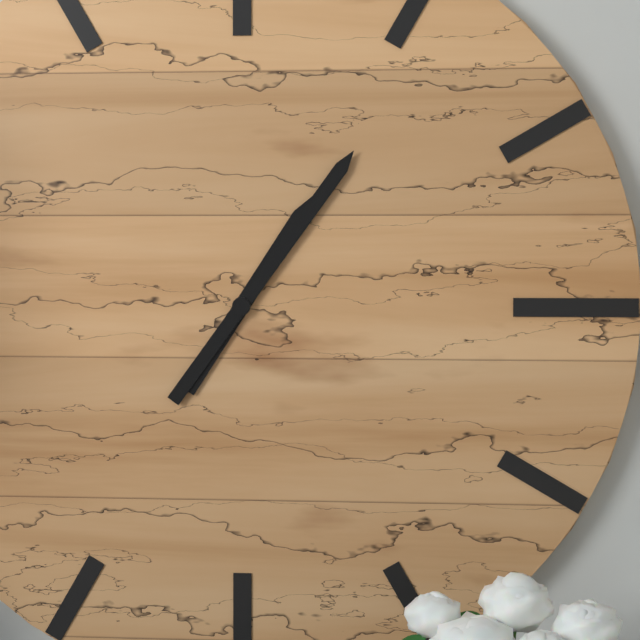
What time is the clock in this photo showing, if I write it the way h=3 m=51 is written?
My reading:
h=1 m=6
